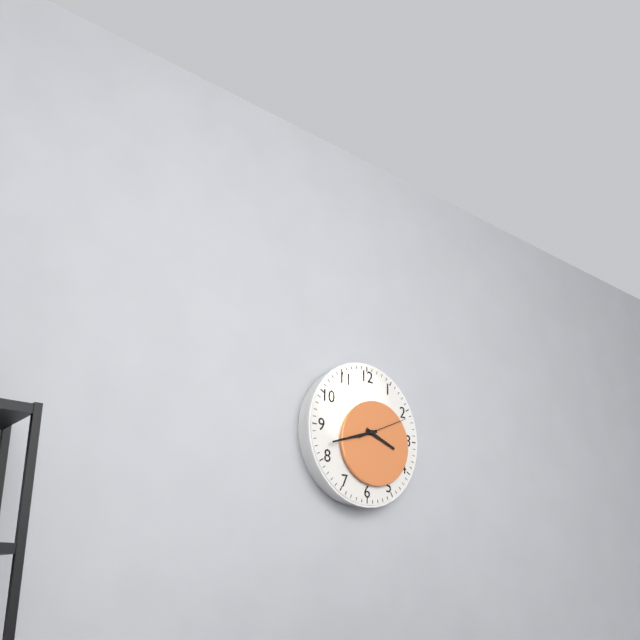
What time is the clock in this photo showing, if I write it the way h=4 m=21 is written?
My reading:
h=3 m=42
